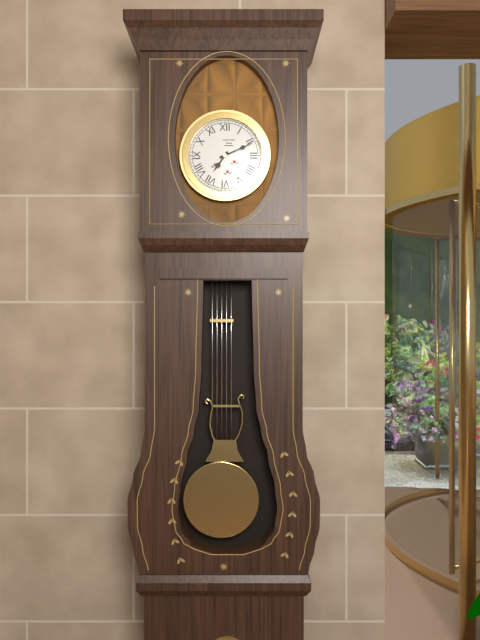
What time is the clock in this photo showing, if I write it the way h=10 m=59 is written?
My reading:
h=7 m=11
